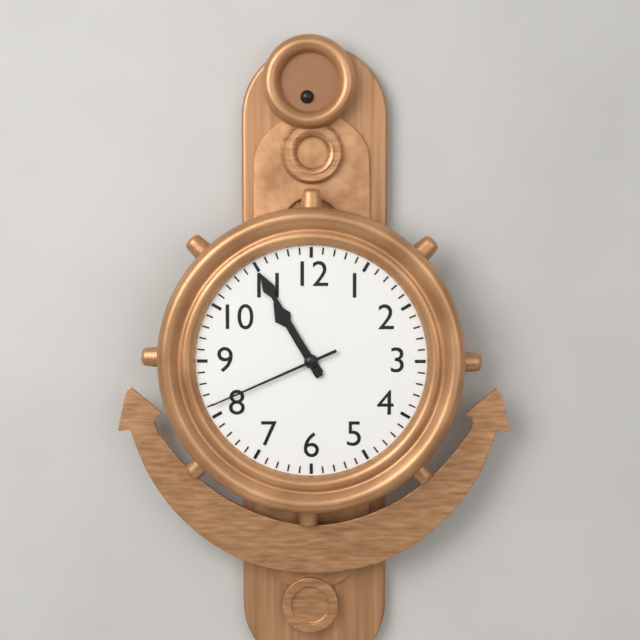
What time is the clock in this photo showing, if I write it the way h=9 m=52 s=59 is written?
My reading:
h=10 m=55 s=41
